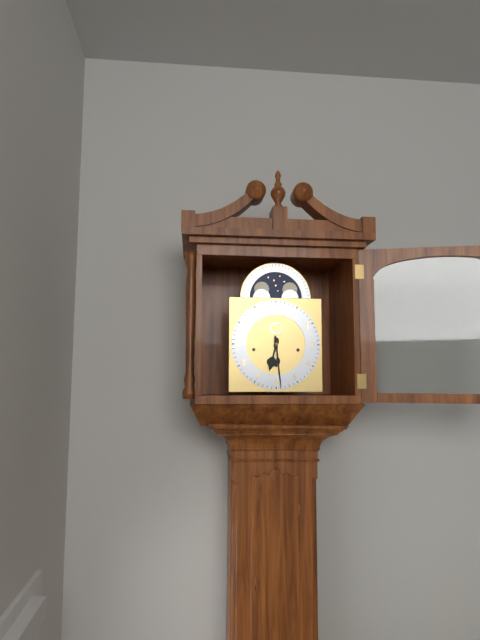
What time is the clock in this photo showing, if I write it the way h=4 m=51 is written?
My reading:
h=6 m=29
